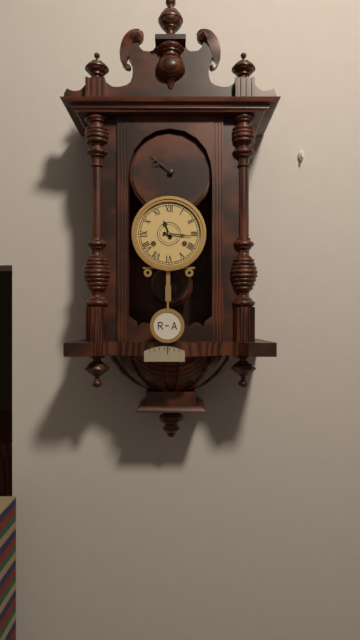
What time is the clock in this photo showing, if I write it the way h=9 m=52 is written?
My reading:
h=11 m=16
